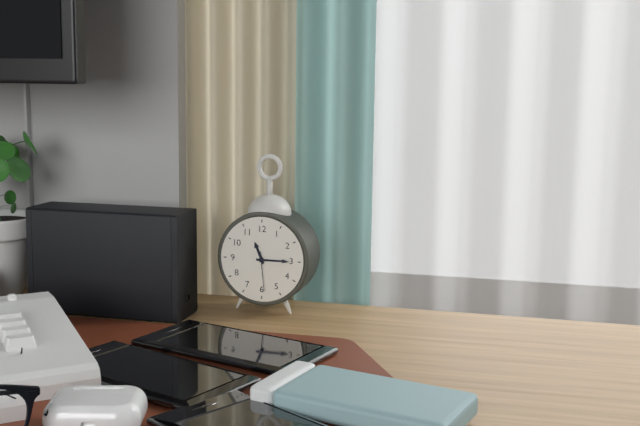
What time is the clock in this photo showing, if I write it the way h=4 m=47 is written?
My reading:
h=11 m=15
